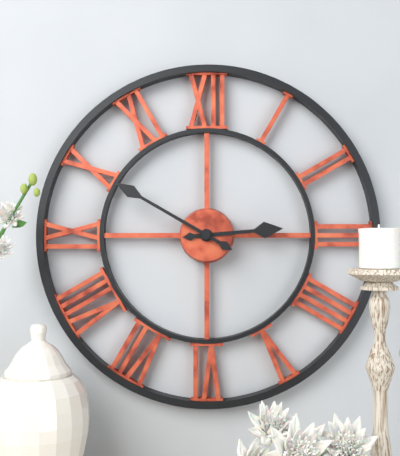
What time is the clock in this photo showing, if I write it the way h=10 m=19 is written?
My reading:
h=2 m=50
